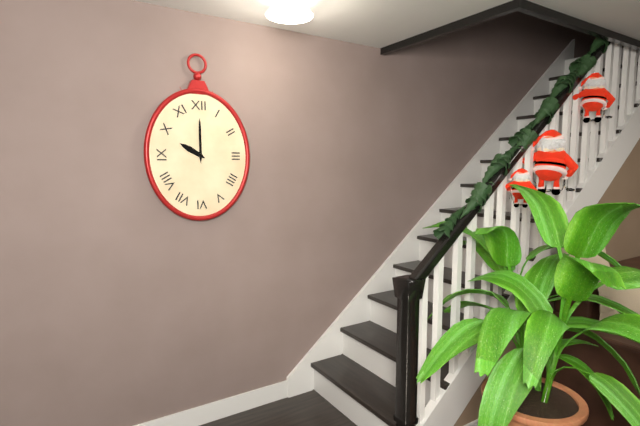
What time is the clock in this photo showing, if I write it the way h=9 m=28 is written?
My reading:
h=10 m=0
